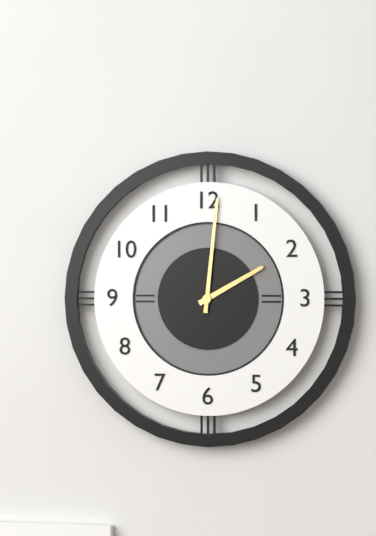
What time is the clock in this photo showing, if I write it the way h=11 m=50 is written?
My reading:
h=2 m=1
